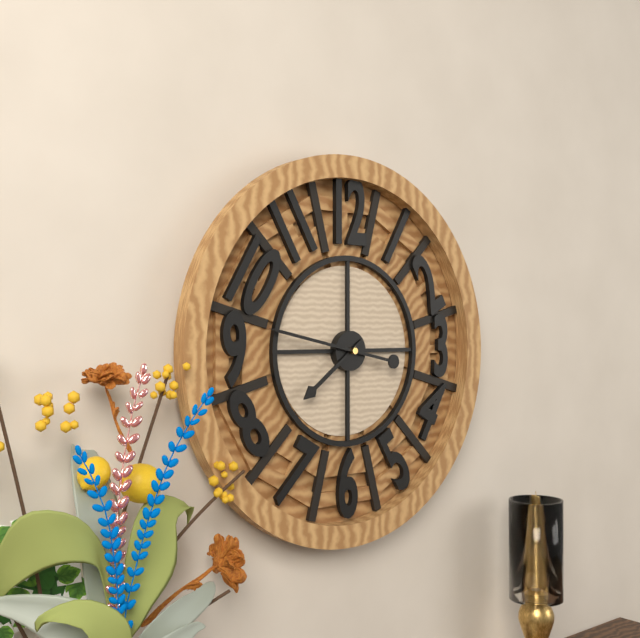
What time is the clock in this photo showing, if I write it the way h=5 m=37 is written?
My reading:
h=7 m=47
